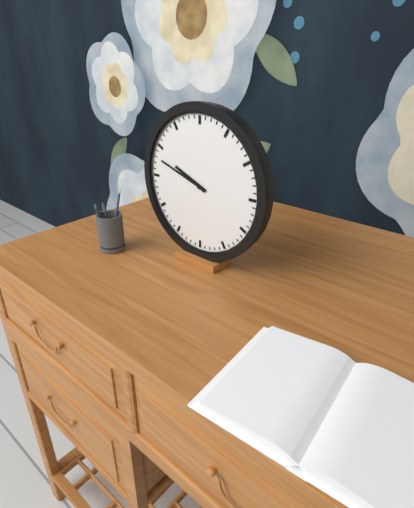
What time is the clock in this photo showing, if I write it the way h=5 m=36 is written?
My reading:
h=9 m=48
